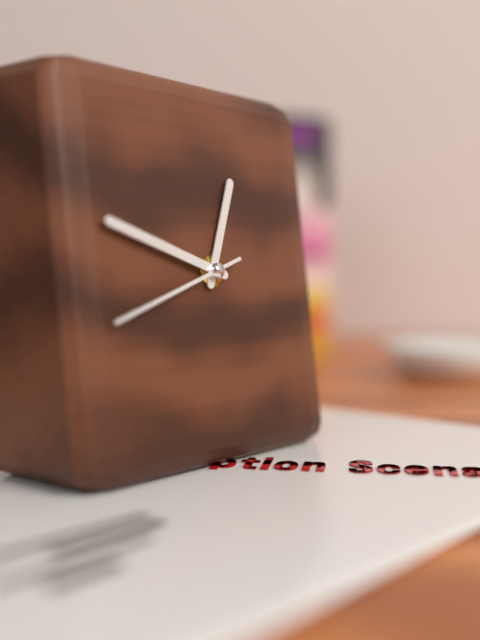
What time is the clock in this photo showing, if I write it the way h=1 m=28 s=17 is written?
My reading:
h=12 m=48 s=42
